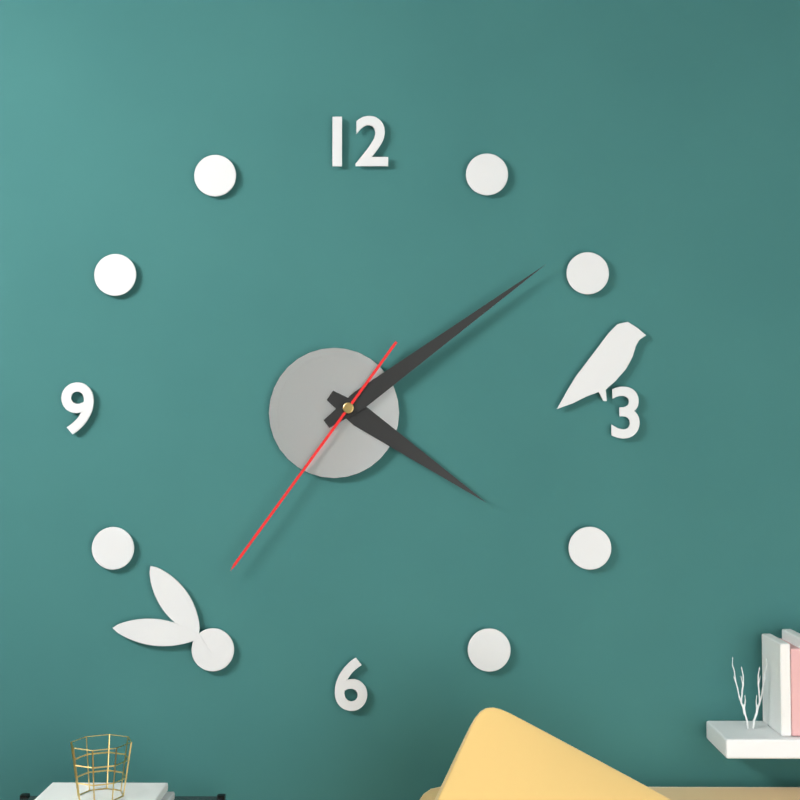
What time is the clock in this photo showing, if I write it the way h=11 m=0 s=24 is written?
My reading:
h=4 m=9 s=36
